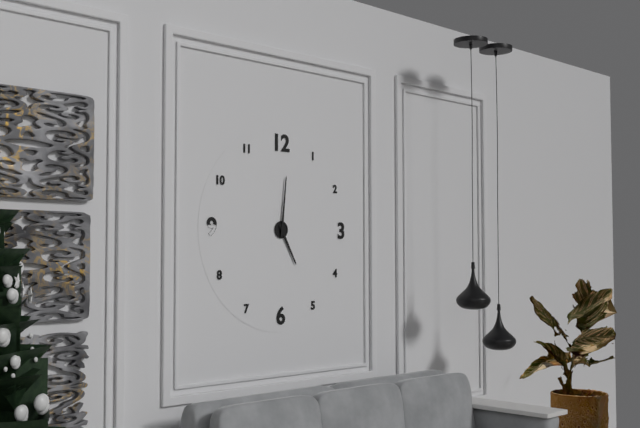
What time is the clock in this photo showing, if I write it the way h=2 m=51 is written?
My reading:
h=5 m=1
